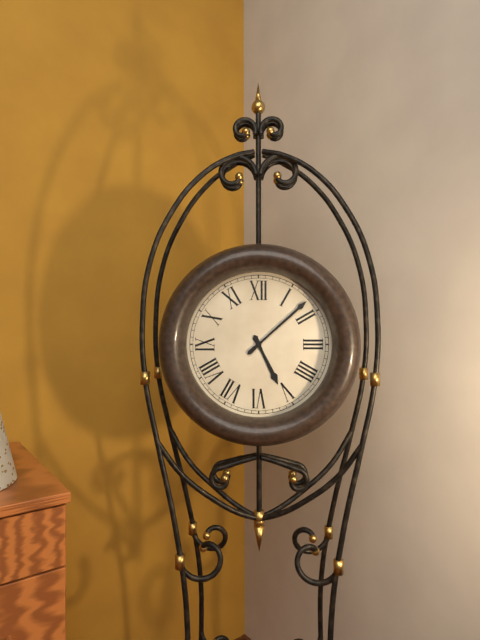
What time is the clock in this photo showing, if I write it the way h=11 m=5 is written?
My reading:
h=5 m=8
